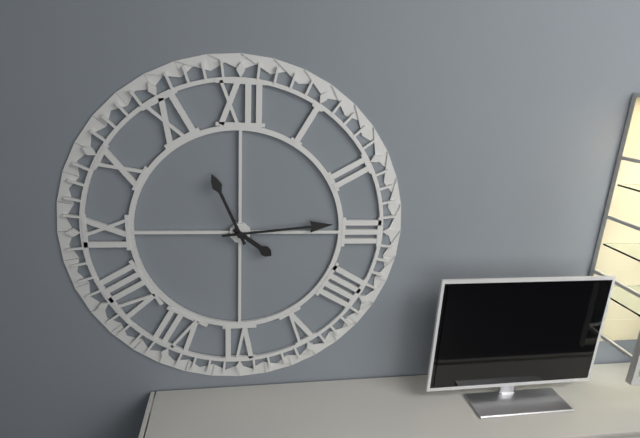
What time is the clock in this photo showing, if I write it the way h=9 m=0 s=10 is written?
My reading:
h=4 m=14 s=56
